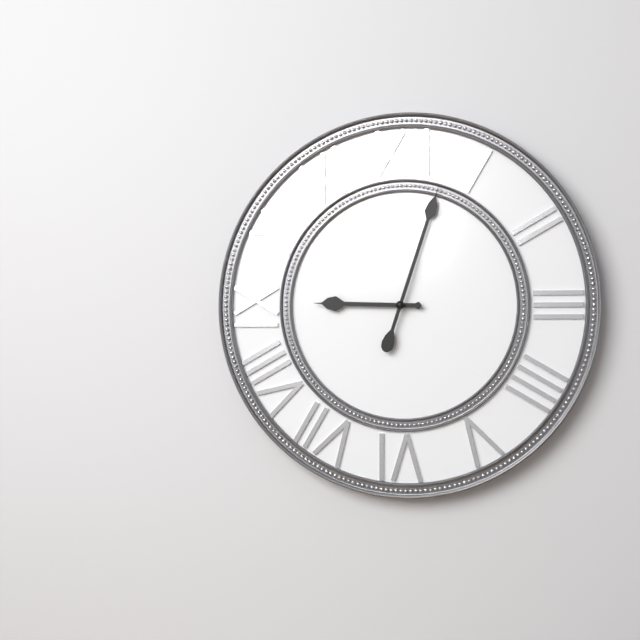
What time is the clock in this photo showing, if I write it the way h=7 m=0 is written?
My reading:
h=9 m=3
